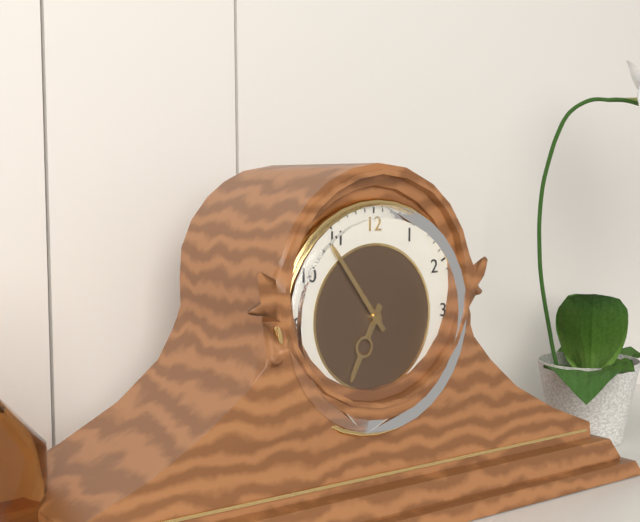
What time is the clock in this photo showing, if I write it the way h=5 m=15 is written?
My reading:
h=6 m=54
